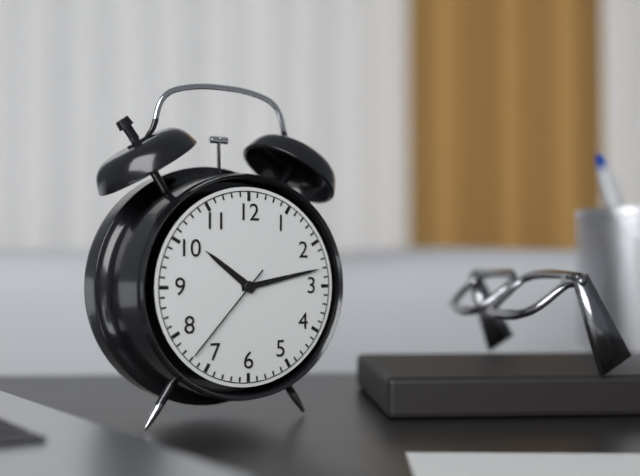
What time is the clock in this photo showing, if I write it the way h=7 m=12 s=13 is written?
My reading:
h=10 m=13 s=37
